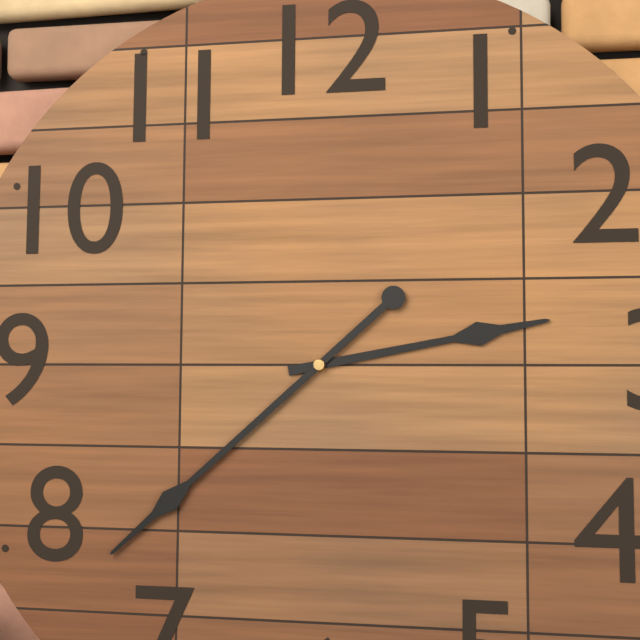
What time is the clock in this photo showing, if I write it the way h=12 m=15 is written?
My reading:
h=2 m=38
